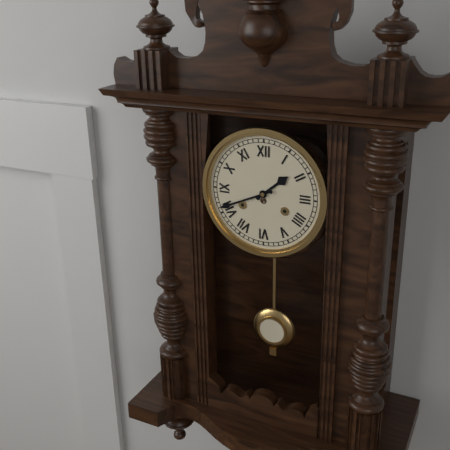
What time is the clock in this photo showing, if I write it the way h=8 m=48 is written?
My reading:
h=1 m=41
